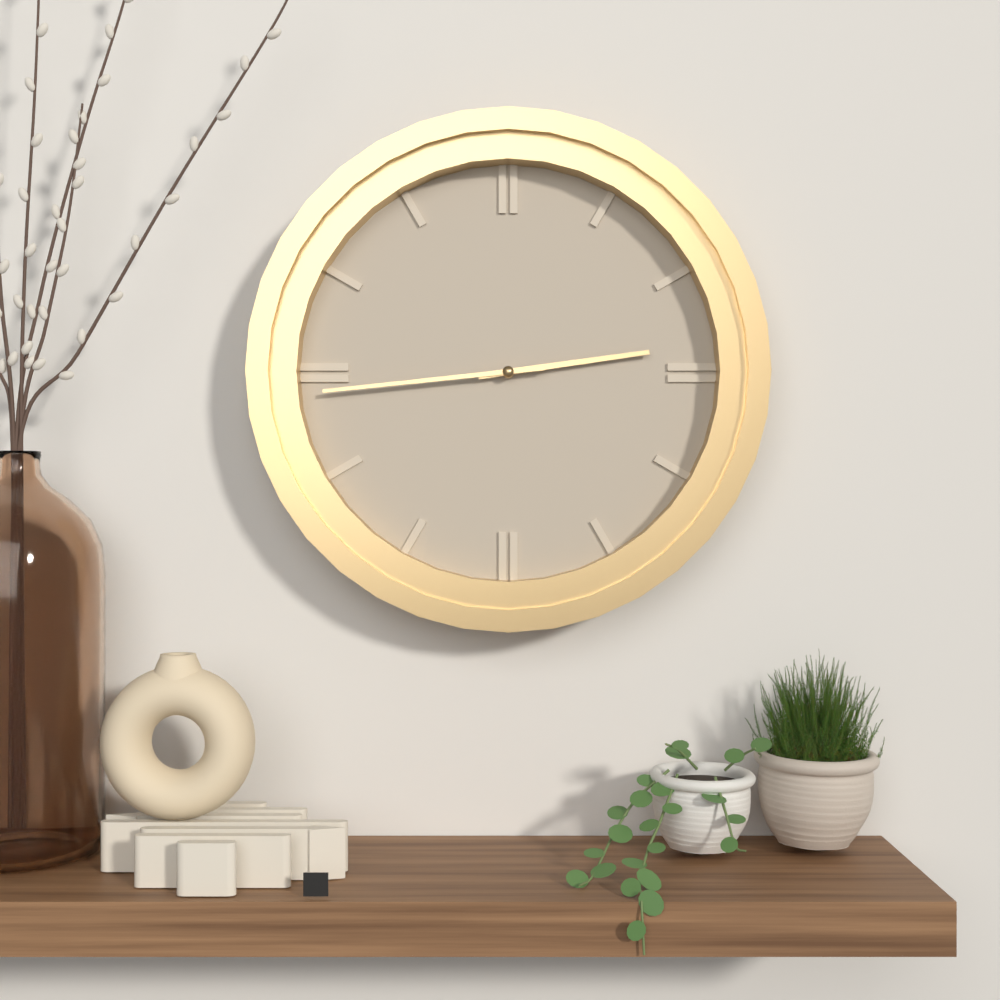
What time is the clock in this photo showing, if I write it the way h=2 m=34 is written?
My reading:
h=2 m=44
